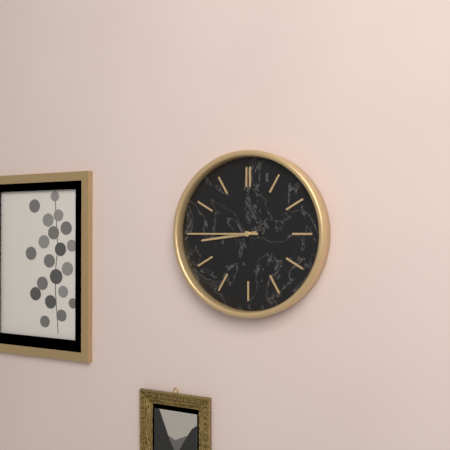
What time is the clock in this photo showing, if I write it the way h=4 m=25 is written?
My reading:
h=8 m=45
